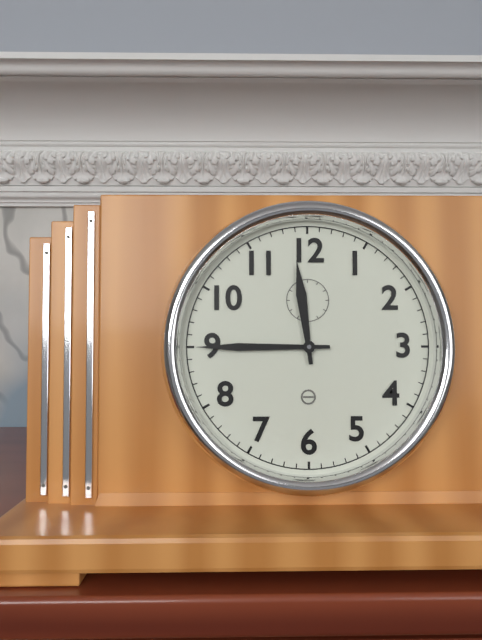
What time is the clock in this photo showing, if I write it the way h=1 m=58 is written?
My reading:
h=11 m=45
